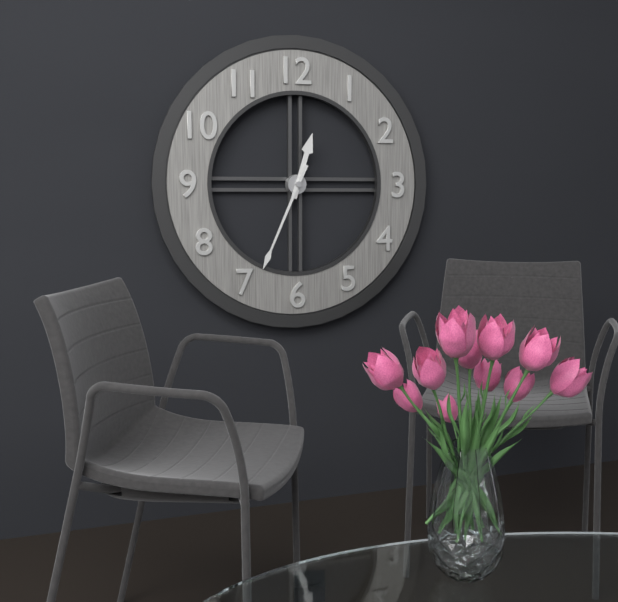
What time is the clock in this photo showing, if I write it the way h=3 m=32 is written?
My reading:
h=12 m=34
